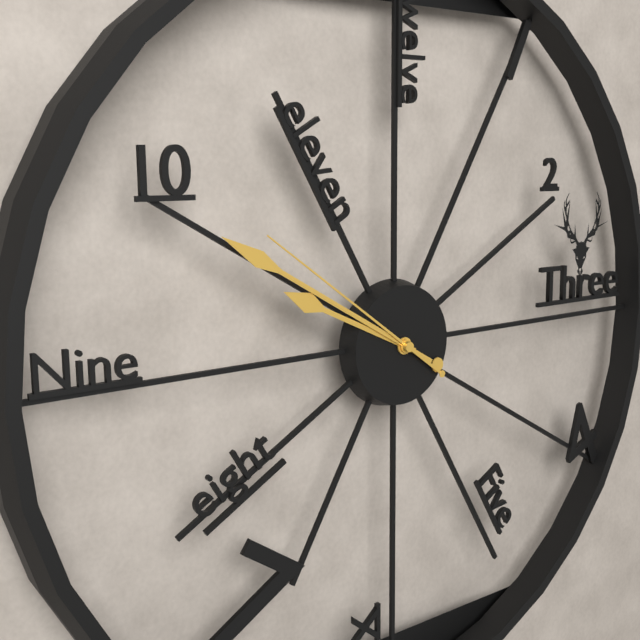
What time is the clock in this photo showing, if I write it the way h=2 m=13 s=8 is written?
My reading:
h=9 m=50 s=51
